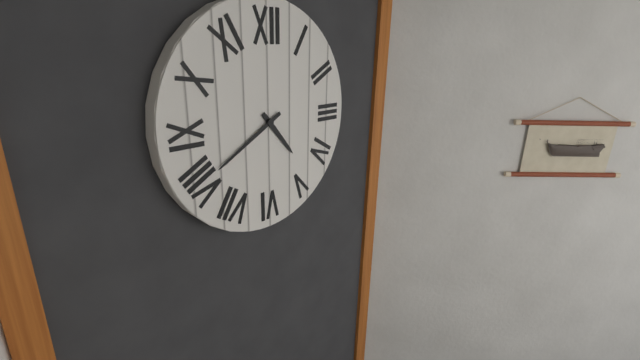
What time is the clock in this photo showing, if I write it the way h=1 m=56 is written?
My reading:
h=4 m=40
